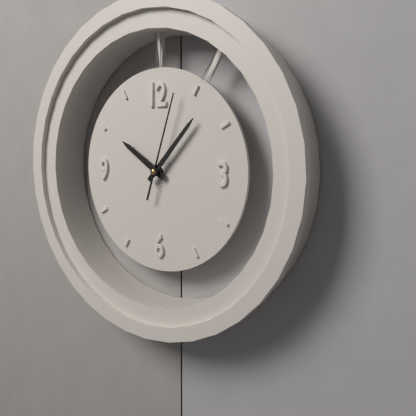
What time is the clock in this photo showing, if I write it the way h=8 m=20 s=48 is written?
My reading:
h=10 m=7 s=3
